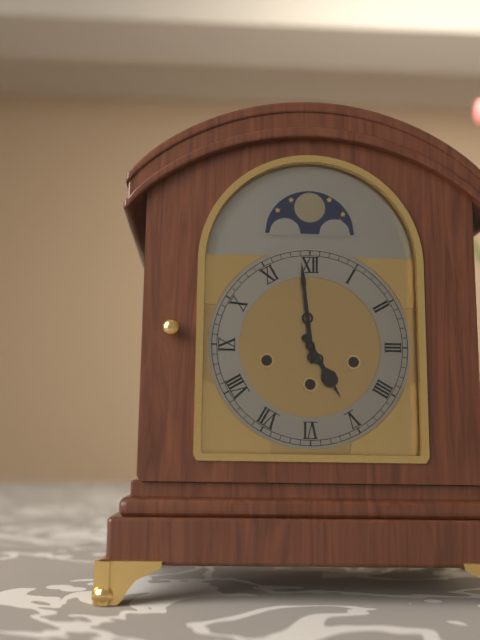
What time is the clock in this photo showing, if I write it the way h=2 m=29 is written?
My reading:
h=4 m=59
